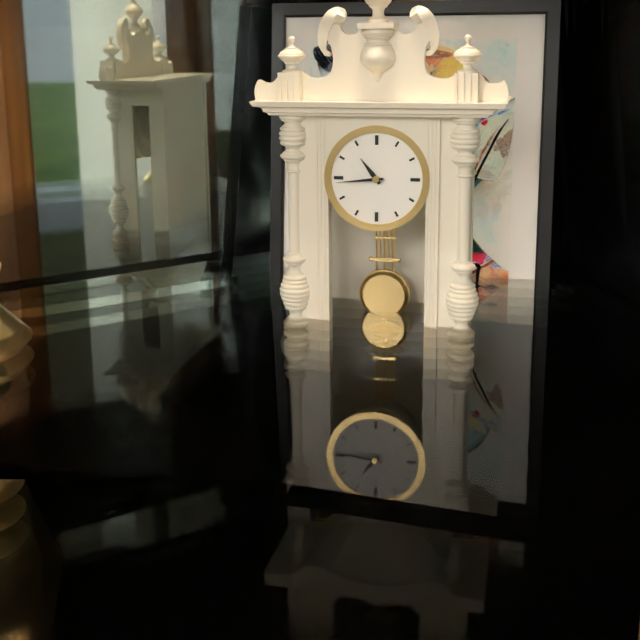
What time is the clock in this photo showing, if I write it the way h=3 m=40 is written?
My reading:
h=10 m=44
